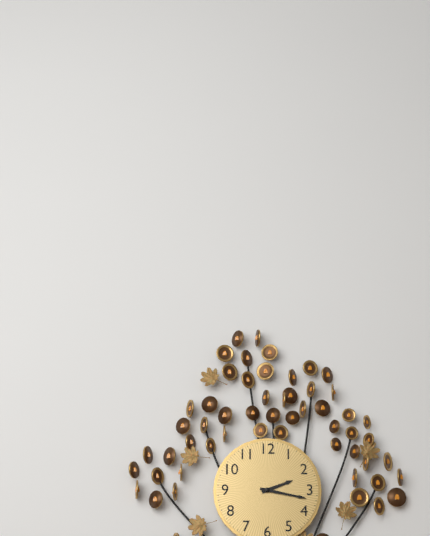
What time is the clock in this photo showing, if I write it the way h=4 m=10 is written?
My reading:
h=2 m=17
